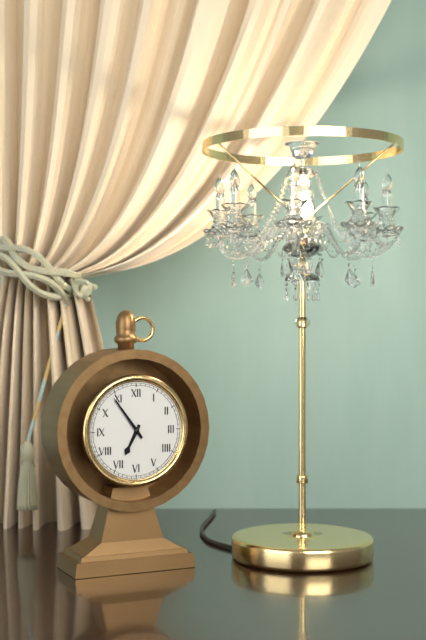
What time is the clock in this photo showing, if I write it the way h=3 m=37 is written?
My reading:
h=6 m=54
